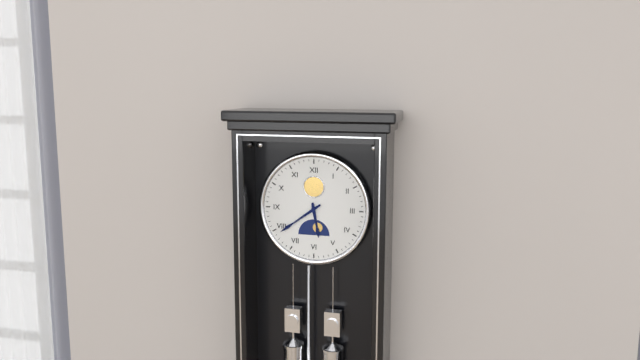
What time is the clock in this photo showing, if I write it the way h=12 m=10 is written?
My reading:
h=5 m=39
